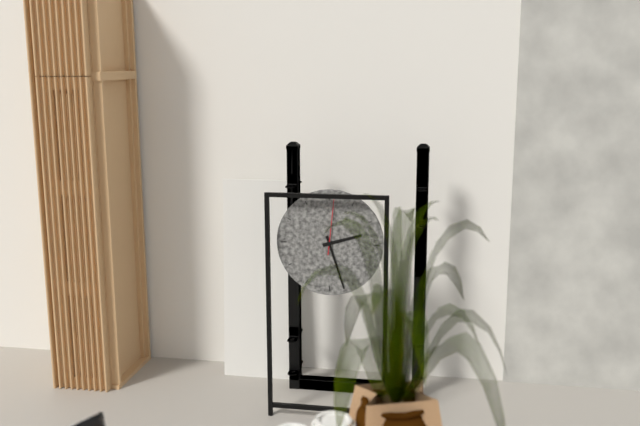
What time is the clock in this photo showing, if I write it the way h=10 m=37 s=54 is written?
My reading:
h=2 m=27 s=1
